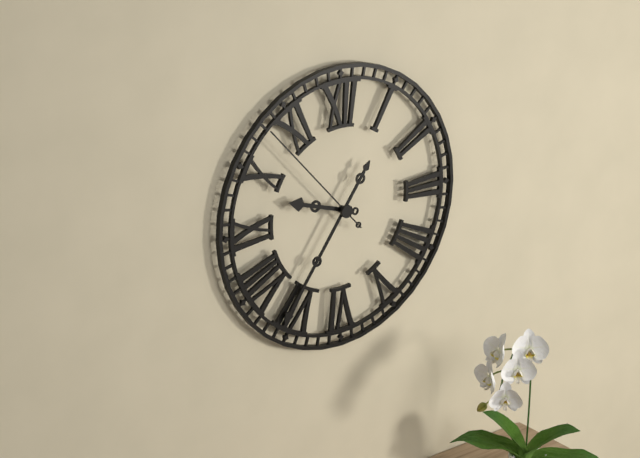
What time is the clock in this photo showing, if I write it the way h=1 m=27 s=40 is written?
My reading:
h=9 m=36 s=53
